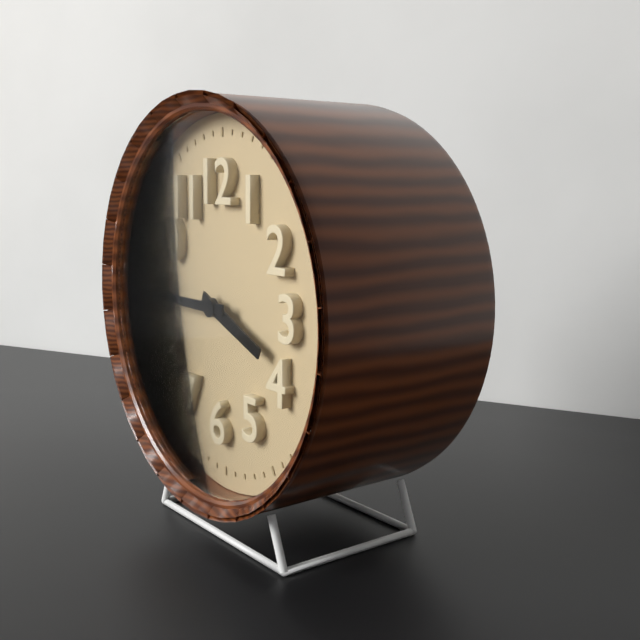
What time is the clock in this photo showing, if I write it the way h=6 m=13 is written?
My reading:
h=3 m=45
